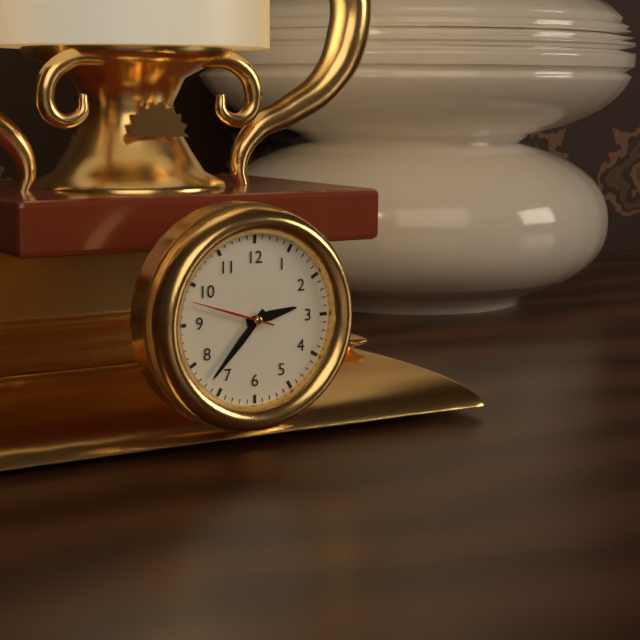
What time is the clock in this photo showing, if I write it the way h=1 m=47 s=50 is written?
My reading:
h=2 m=37 s=48
